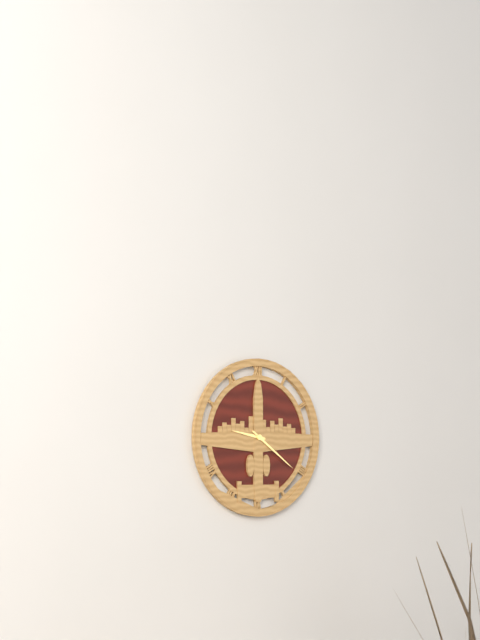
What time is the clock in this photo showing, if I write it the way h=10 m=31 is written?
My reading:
h=9 m=21
